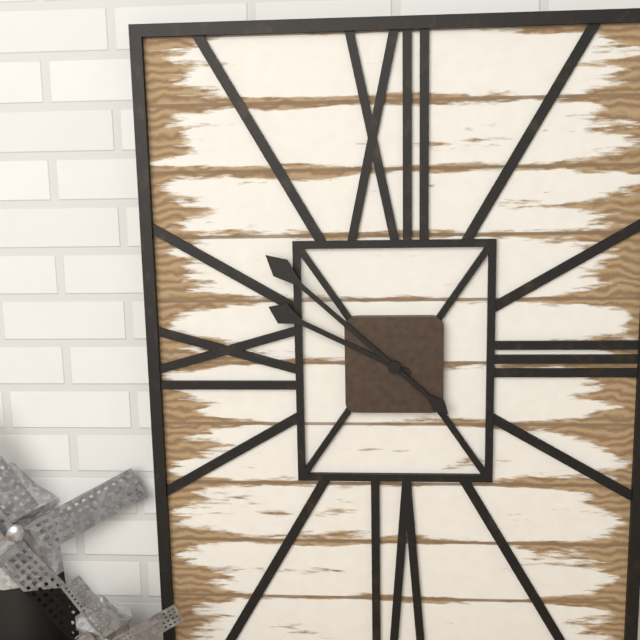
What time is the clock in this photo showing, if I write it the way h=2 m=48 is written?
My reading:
h=9 m=52
